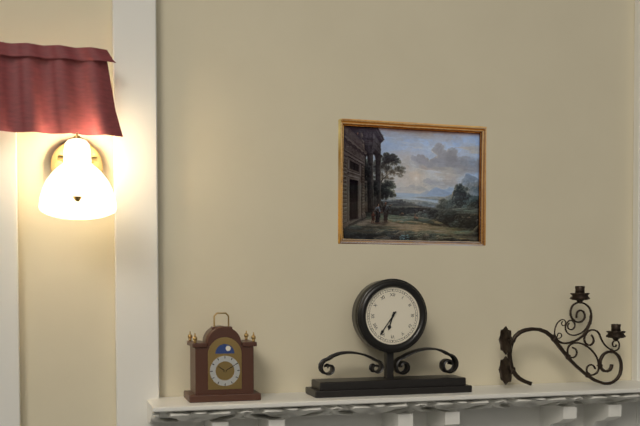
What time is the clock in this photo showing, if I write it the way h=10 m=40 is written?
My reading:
h=6 m=36
